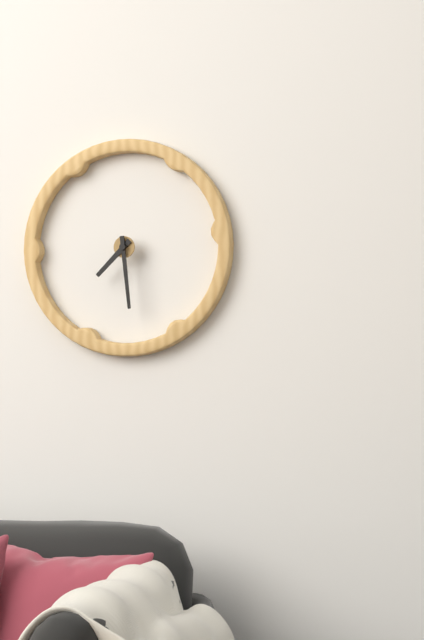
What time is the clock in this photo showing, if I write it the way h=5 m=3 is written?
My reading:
h=7 m=29
